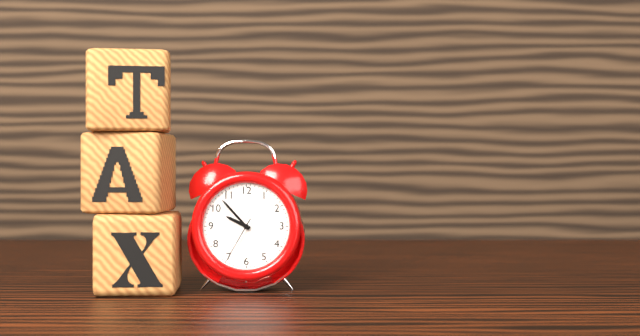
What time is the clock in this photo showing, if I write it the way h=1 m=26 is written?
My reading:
h=9 m=53
